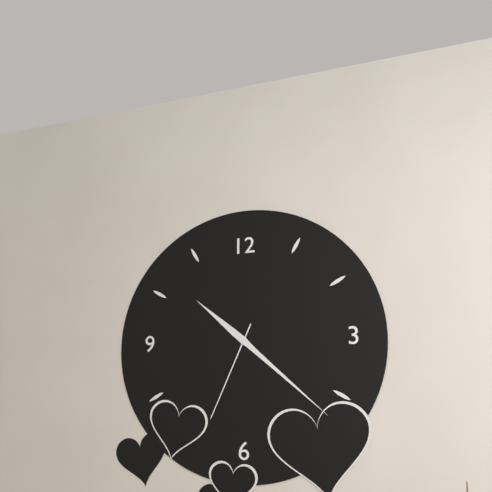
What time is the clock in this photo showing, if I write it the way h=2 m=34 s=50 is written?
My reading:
h=10 m=22 s=34
